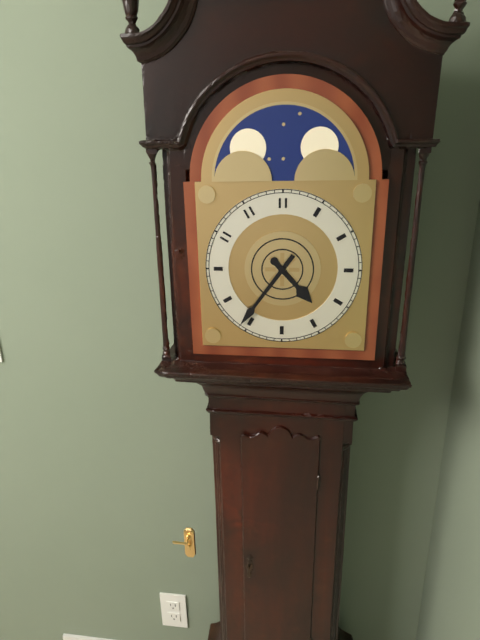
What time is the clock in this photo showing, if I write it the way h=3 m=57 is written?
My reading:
h=4 m=36
